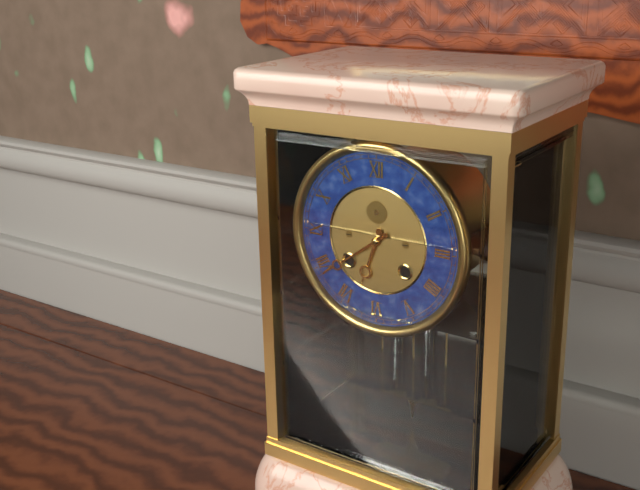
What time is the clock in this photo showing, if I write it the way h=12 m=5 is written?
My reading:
h=6 m=39
